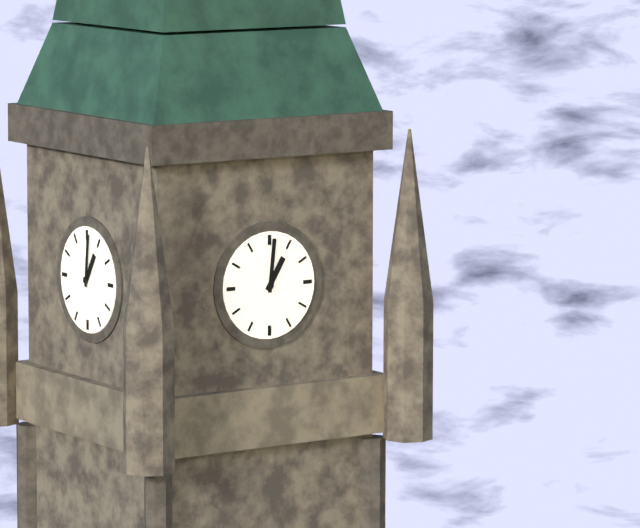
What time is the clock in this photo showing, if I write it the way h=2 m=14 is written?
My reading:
h=1 m=1
